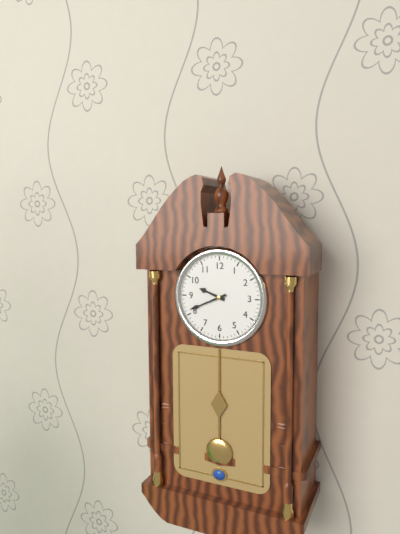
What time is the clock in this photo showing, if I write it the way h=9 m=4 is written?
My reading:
h=9 m=41
